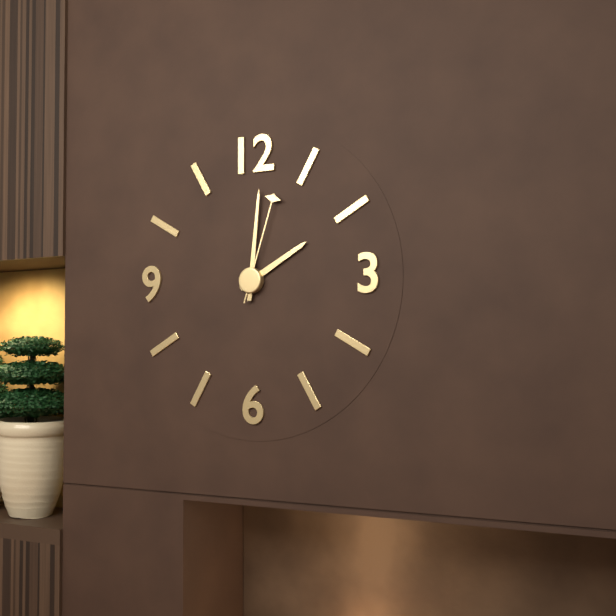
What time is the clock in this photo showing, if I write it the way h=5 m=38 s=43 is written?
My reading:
h=2 m=1 s=3
